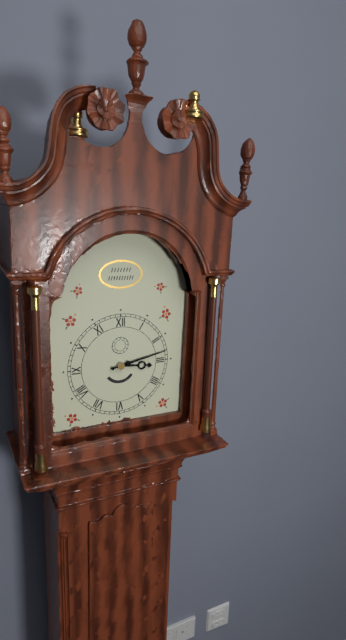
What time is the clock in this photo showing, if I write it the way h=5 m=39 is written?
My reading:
h=3 m=13
